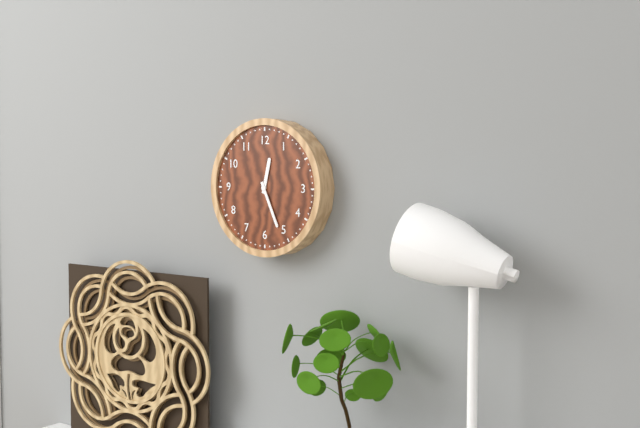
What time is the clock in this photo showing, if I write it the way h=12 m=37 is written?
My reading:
h=12 m=26
